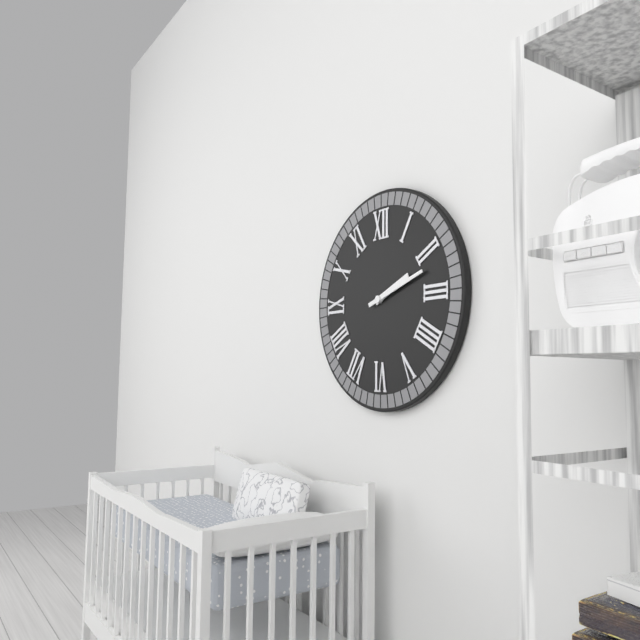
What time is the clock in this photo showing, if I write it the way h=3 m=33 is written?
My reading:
h=2 m=12
